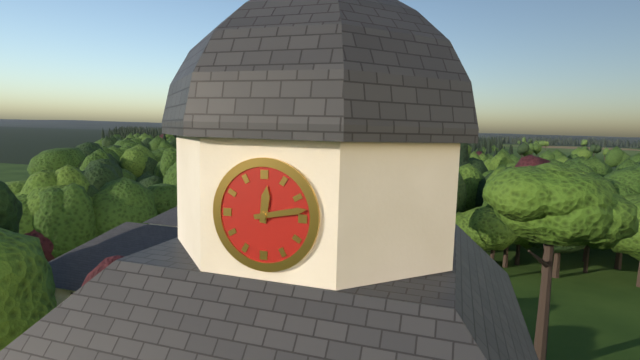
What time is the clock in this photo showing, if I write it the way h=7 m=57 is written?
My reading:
h=12 m=13
